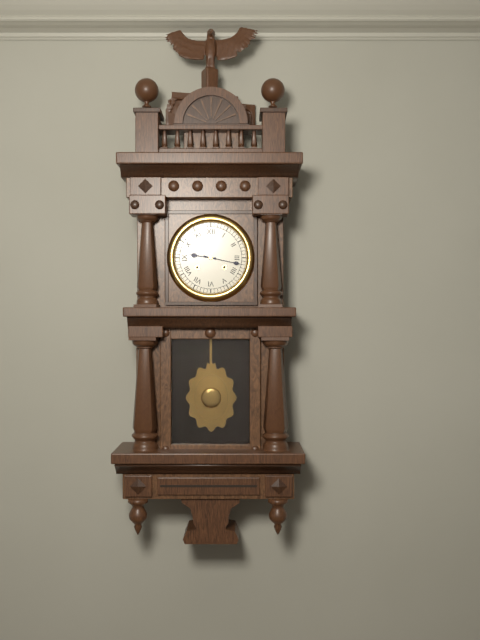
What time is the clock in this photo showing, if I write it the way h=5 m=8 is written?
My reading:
h=9 m=17
